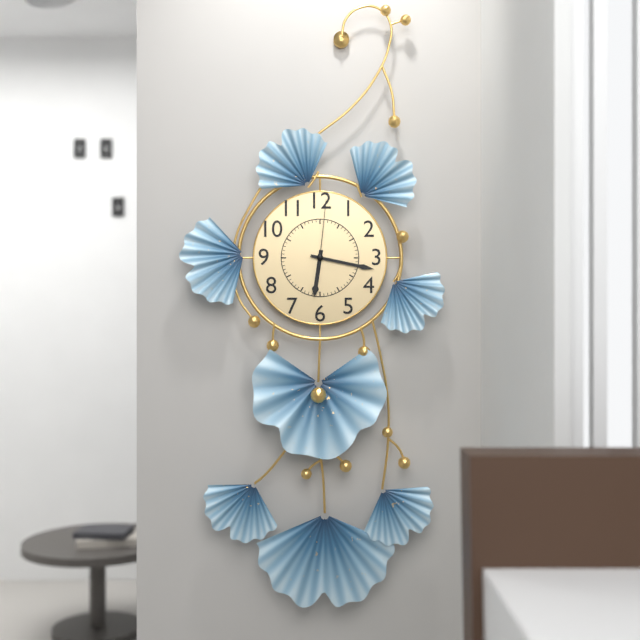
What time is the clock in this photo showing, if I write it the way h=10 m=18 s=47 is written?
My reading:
h=6 m=17 s=1
